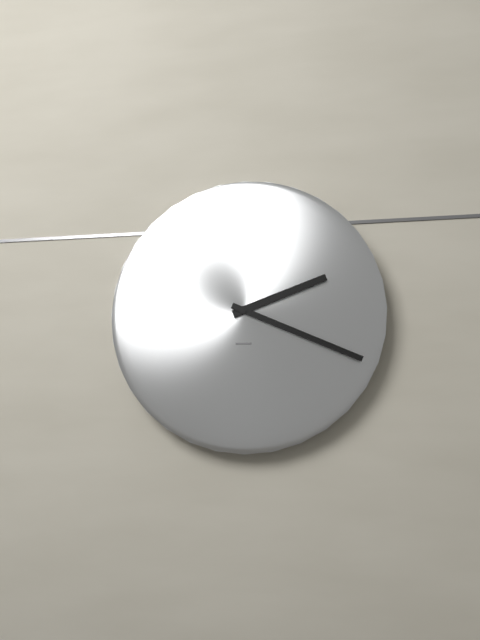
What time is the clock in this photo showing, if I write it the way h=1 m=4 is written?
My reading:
h=2 m=19
